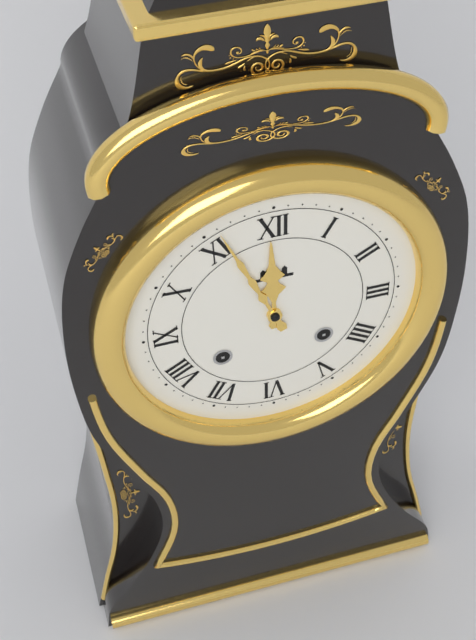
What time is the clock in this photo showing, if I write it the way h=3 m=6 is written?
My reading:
h=11 m=56
